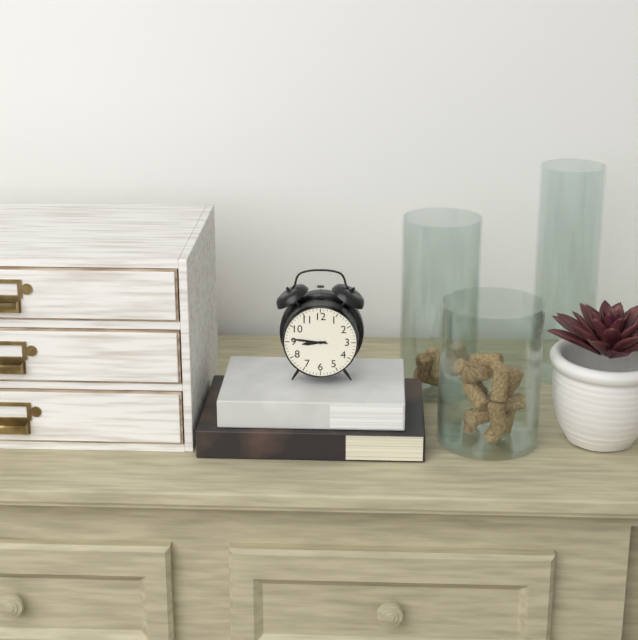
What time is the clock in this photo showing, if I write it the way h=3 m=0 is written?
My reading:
h=8 m=46
